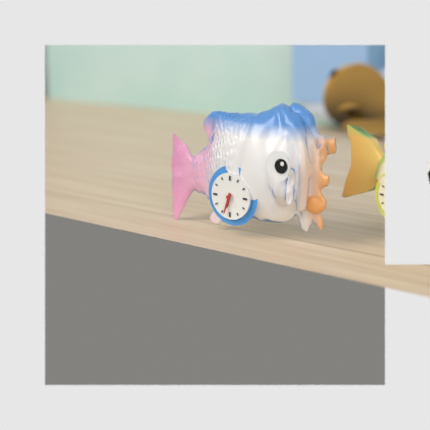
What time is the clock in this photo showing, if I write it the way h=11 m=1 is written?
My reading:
h=6 m=33
